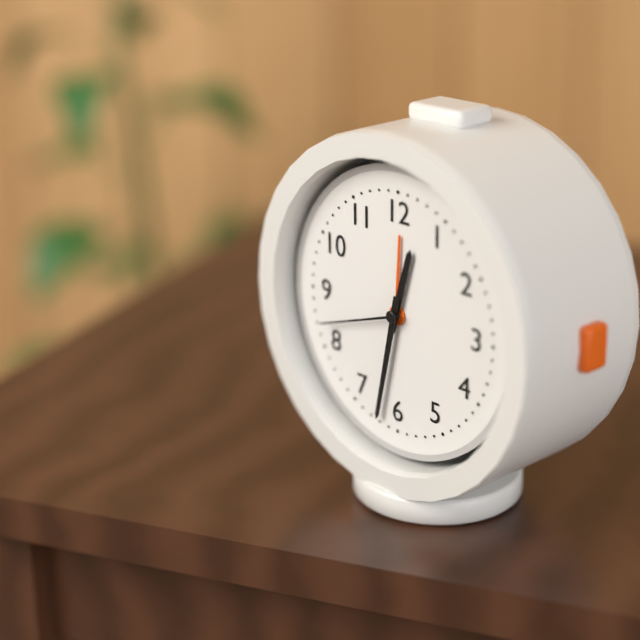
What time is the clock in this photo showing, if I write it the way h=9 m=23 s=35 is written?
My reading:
h=12 m=32 s=42
